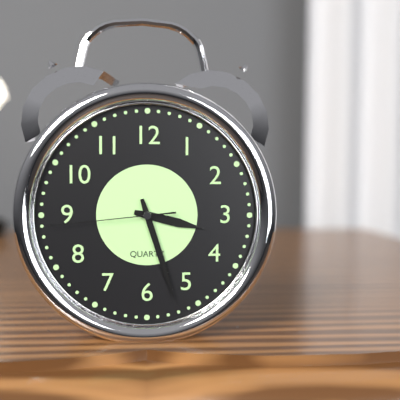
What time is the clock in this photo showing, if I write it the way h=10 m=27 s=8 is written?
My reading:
h=3 m=27 s=44
